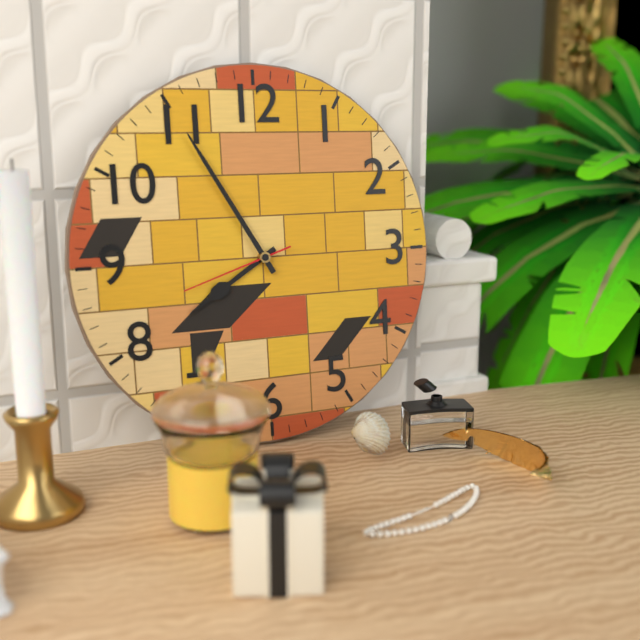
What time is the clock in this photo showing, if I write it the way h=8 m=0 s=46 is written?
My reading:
h=7 m=55 s=42
